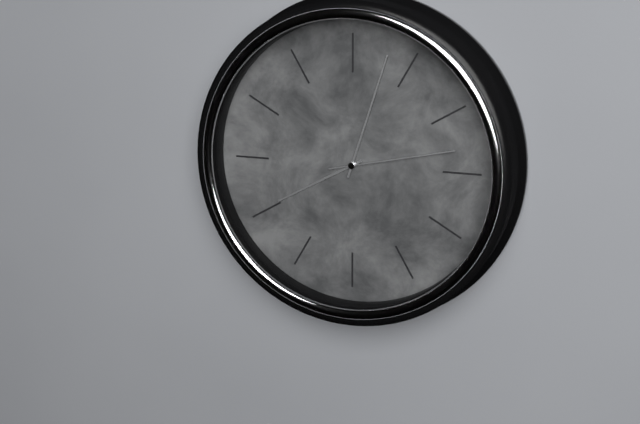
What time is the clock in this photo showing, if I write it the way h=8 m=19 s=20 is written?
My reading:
h=8 m=3 s=13
